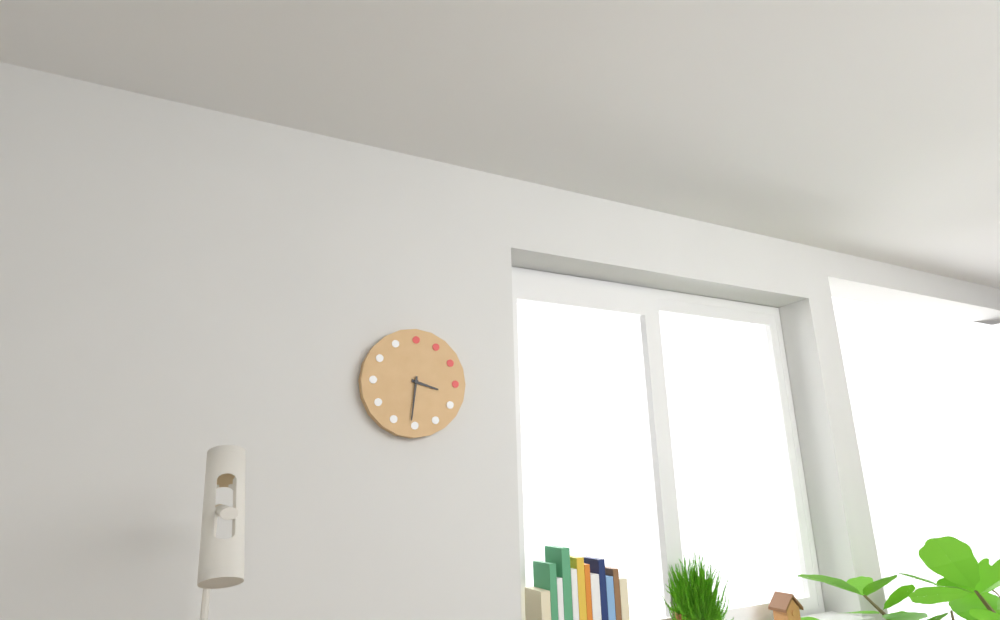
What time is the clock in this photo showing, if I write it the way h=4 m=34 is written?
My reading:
h=3 m=31
